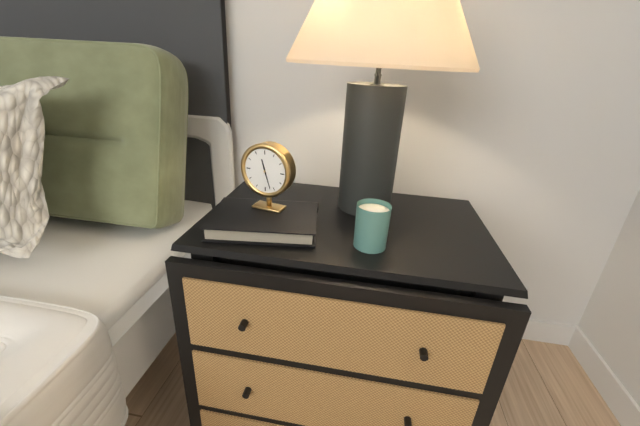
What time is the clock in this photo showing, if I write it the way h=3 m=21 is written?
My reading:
h=11 m=27
